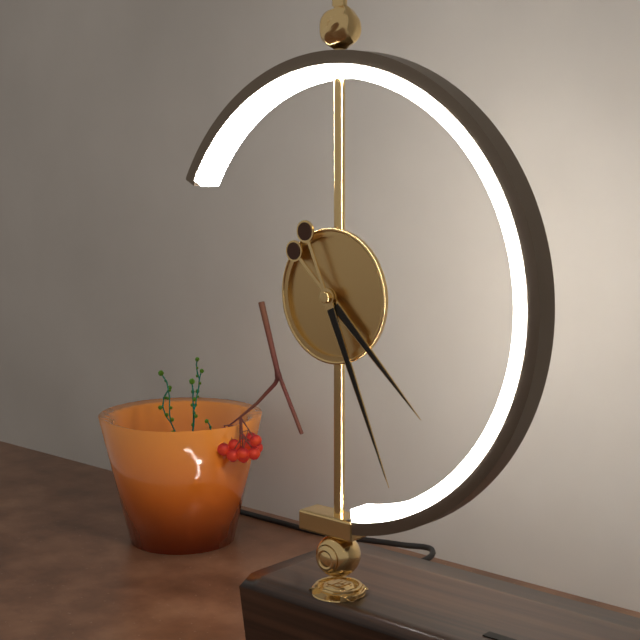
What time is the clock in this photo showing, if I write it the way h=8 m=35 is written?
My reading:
h=4 m=26
